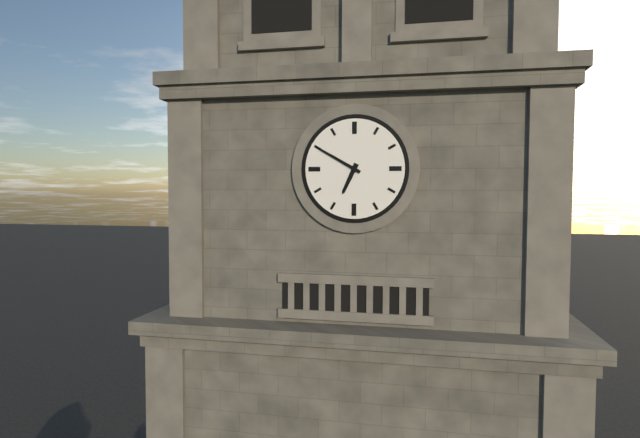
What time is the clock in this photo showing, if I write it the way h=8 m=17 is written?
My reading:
h=6 m=50
